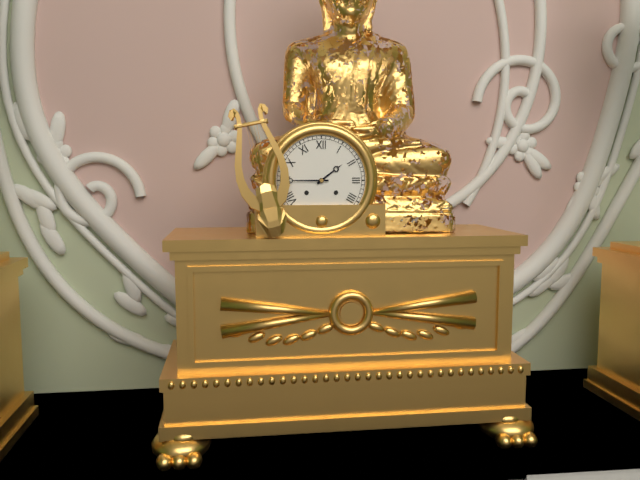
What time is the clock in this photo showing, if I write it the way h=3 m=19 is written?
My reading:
h=1 m=45
